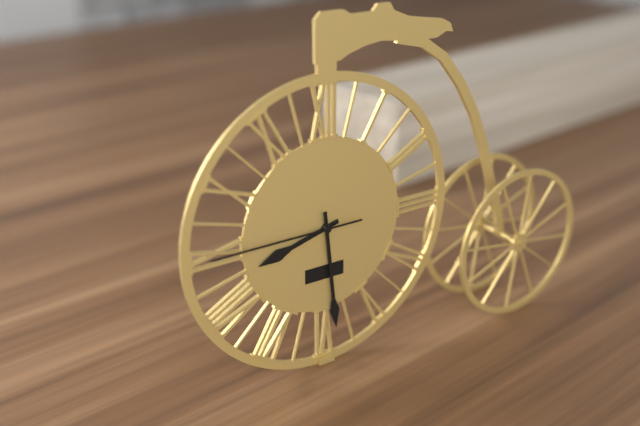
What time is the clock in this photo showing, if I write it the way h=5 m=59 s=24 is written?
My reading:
h=8 m=29 s=45
